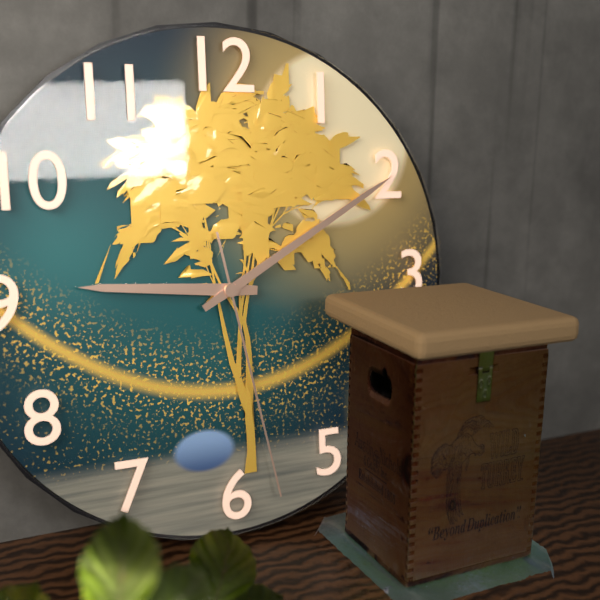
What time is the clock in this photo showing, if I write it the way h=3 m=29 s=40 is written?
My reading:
h=9 m=10 s=28
